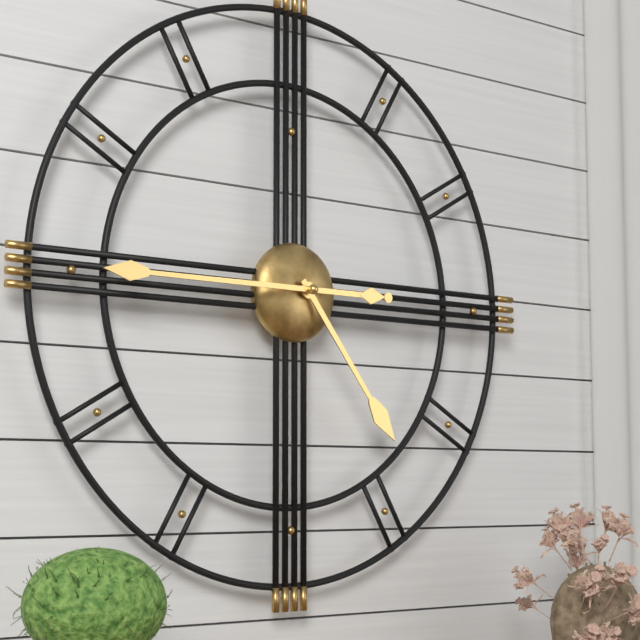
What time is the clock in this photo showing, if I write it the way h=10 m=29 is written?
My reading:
h=4 m=45
